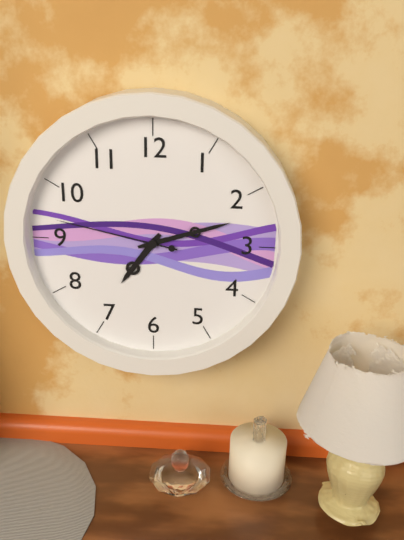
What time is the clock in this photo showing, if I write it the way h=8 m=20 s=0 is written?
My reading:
h=7 m=12 s=47
